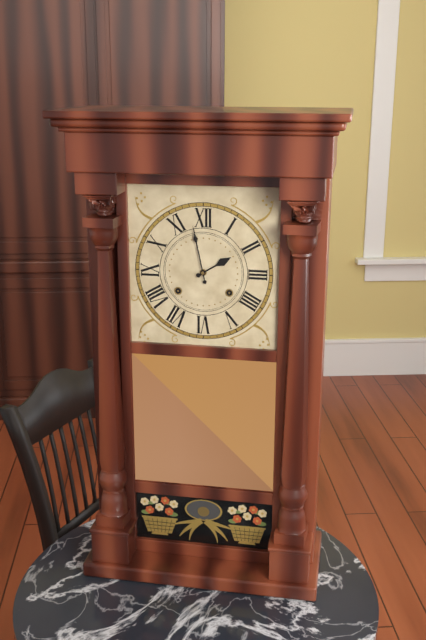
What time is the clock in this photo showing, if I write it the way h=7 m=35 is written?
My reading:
h=1 m=58
